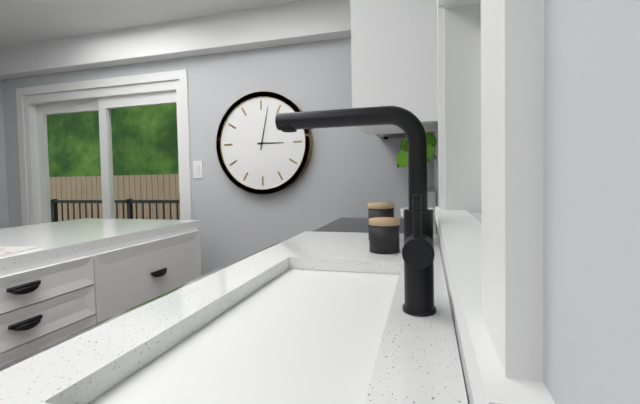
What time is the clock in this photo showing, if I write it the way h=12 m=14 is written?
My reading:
h=3 m=2
